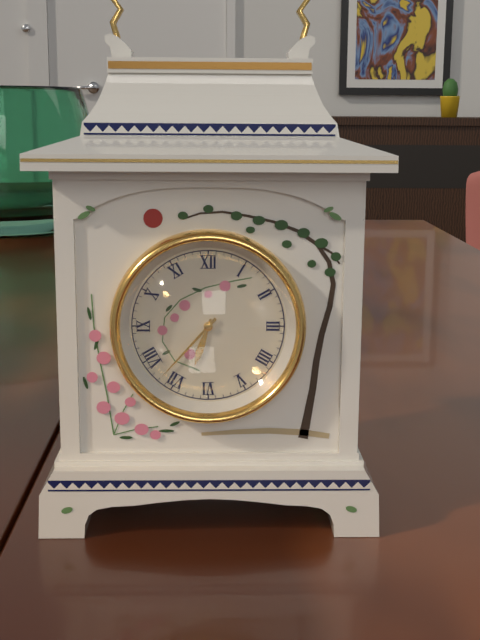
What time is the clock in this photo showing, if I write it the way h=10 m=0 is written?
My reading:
h=6 m=37
